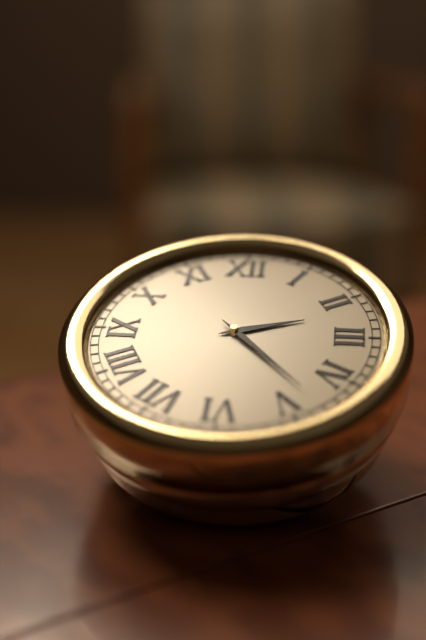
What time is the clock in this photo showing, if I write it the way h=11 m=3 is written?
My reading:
h=2 m=23
